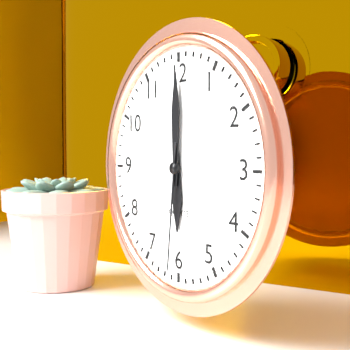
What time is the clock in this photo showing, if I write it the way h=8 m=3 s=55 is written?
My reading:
h=6 m=0 s=31
